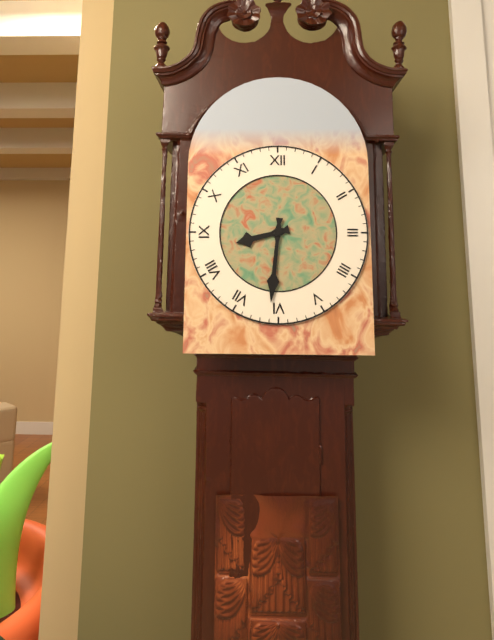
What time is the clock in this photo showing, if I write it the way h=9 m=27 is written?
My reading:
h=8 m=31
